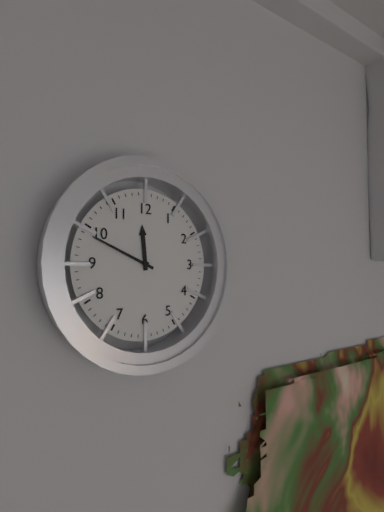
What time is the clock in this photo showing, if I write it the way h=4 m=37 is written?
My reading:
h=11 m=49
